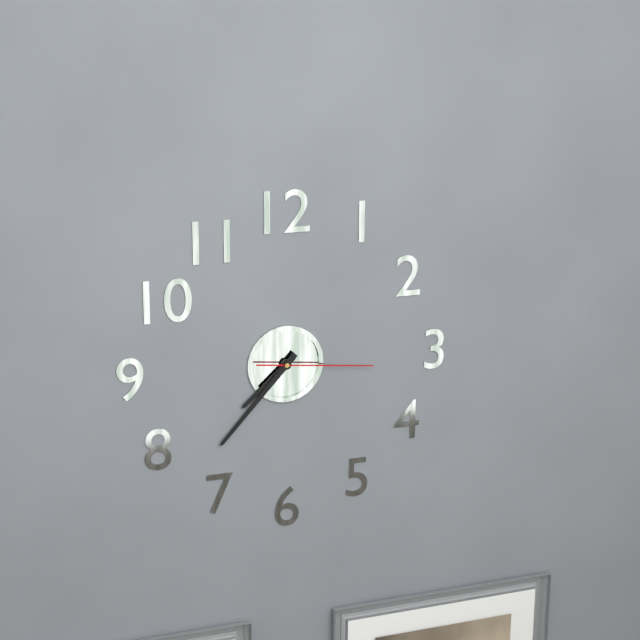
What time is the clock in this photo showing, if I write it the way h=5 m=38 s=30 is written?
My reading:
h=7 m=37 s=16
